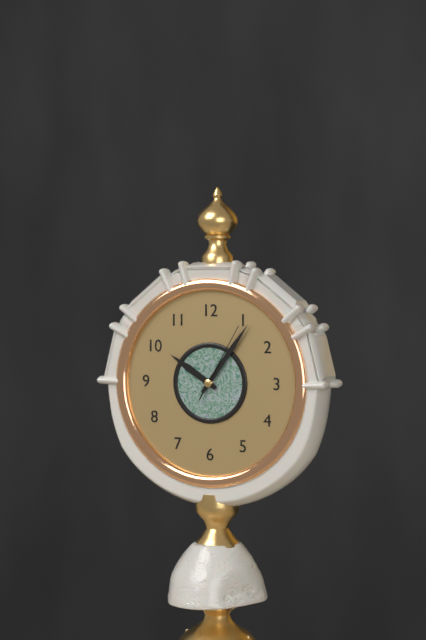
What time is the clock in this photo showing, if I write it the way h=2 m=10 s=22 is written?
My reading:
h=10 m=6 s=5
